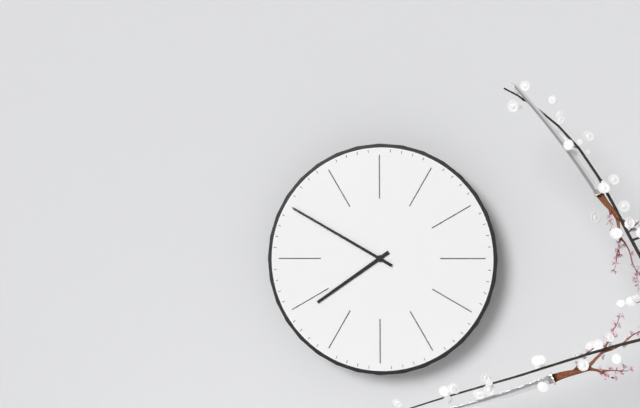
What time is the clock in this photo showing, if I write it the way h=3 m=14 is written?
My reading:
h=7 m=50
